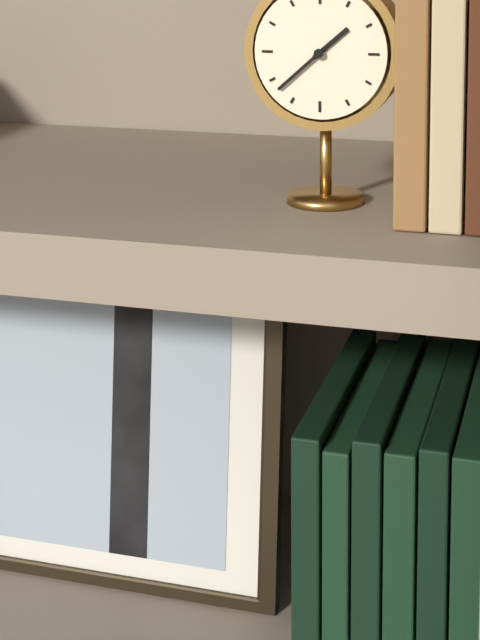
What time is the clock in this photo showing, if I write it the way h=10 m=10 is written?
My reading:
h=1 m=38
